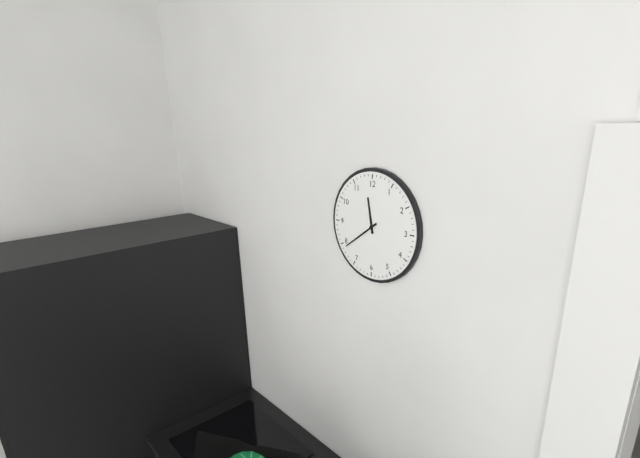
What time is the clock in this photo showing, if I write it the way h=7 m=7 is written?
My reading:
h=11 m=39
